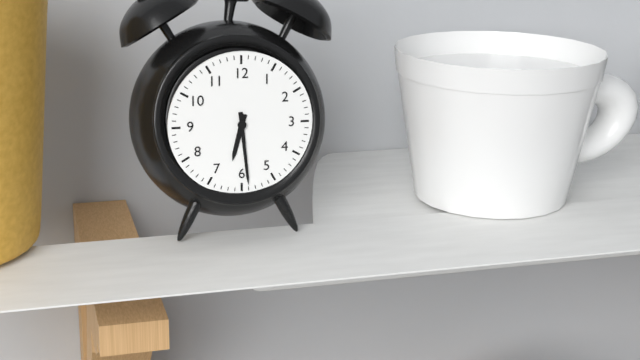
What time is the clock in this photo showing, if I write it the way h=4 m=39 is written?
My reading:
h=6 m=29
